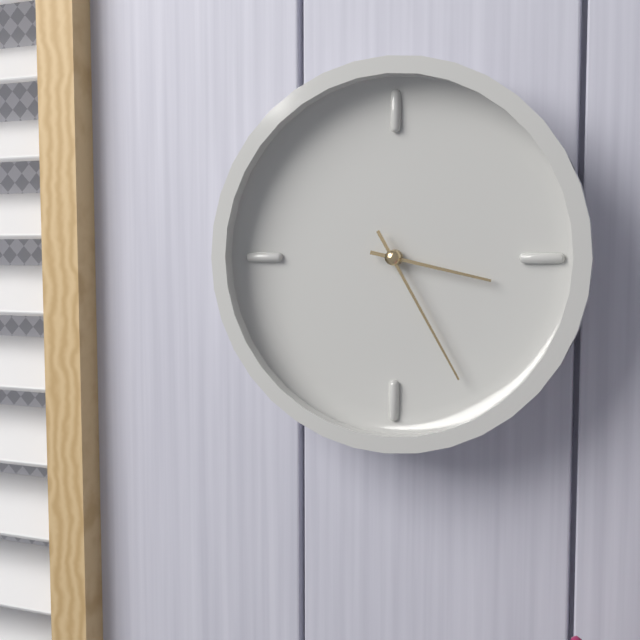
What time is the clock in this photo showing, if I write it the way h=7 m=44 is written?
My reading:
h=3 m=25
